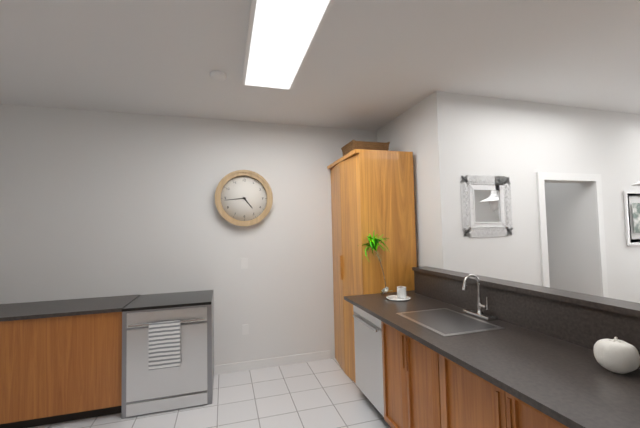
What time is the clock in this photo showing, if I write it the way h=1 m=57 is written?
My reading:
h=4 m=44
